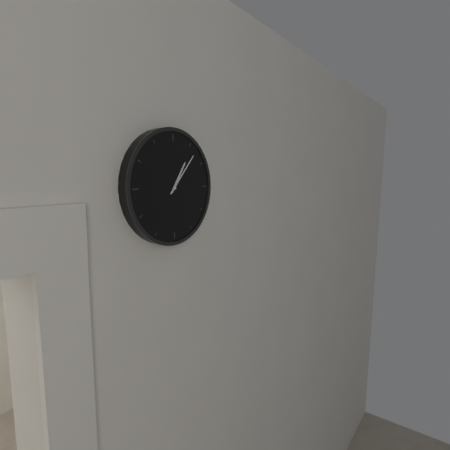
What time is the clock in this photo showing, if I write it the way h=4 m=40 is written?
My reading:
h=1 m=7
